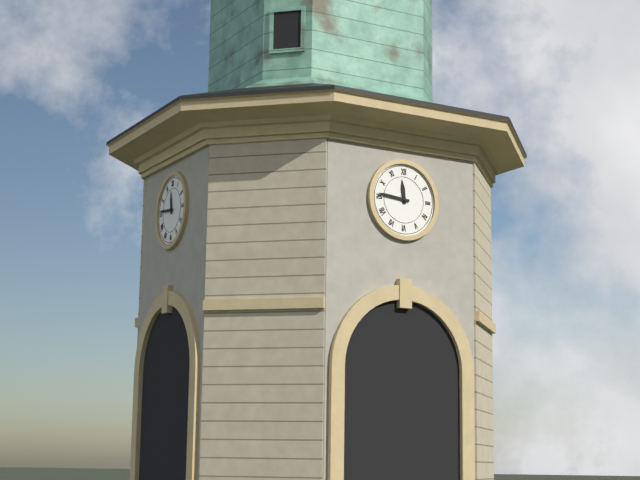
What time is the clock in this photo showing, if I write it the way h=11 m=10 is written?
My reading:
h=11 m=46
